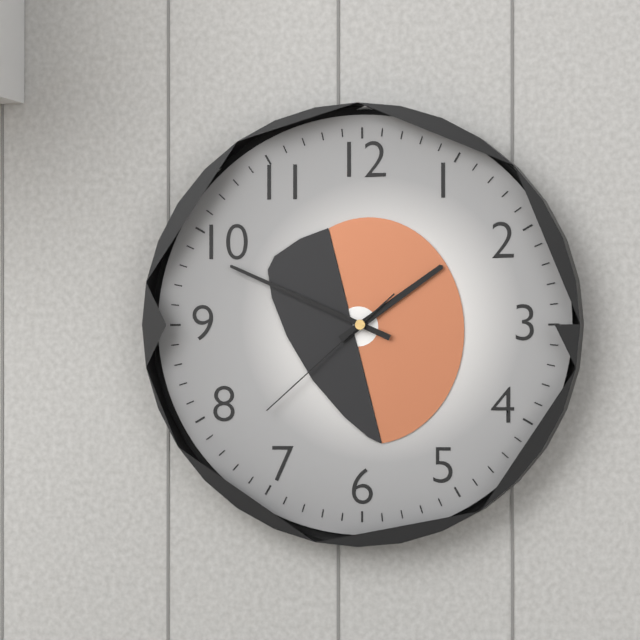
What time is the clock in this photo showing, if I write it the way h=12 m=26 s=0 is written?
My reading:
h=1 m=49 s=38
